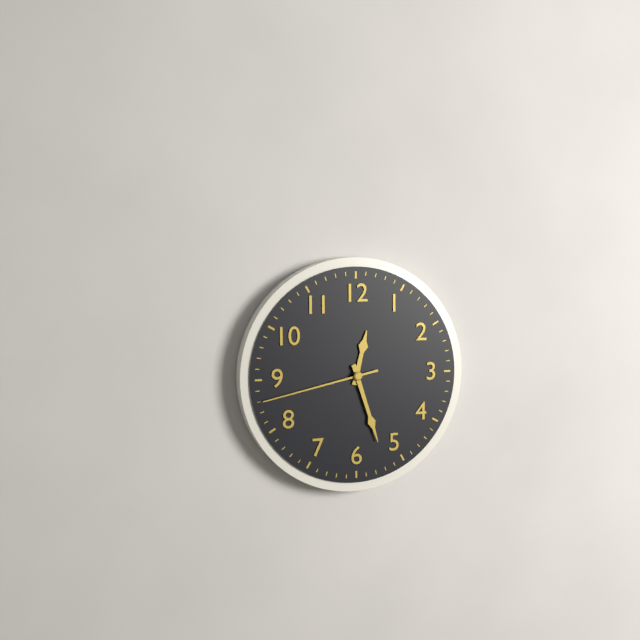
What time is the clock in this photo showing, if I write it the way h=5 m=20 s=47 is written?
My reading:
h=12 m=27 s=43
